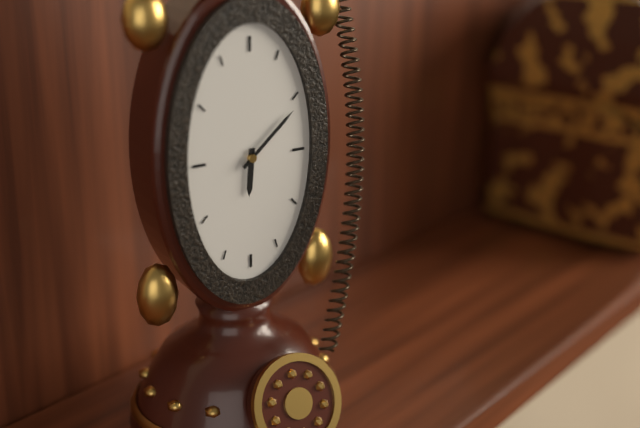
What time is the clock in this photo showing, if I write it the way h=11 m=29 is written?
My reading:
h=6 m=8
